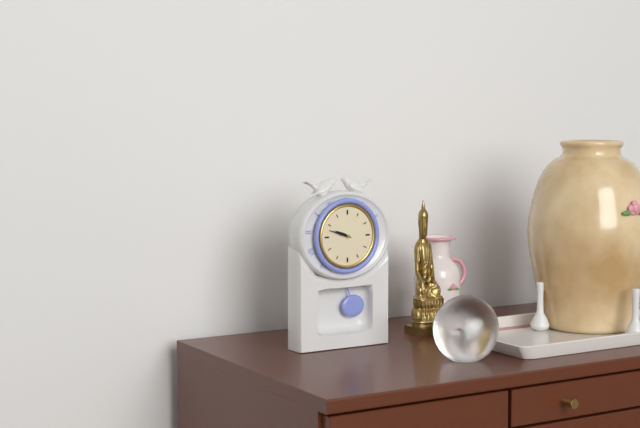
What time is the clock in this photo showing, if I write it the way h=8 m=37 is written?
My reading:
h=9 m=48
